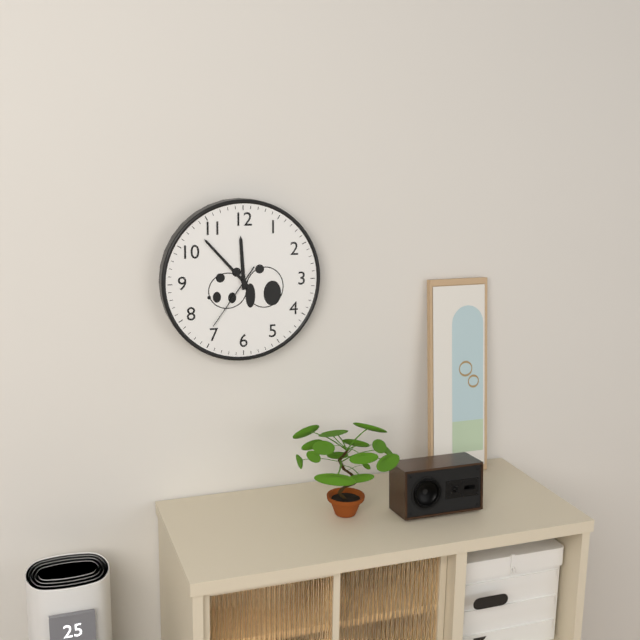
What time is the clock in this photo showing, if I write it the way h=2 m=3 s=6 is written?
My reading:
h=11 m=53 s=36
